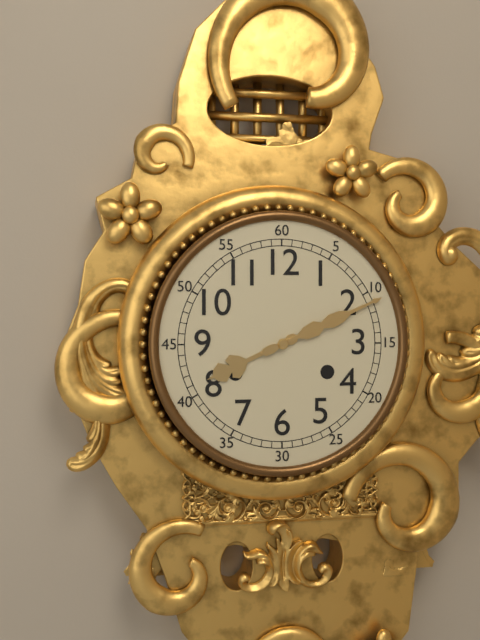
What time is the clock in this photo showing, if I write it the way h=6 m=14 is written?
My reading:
h=8 m=11
